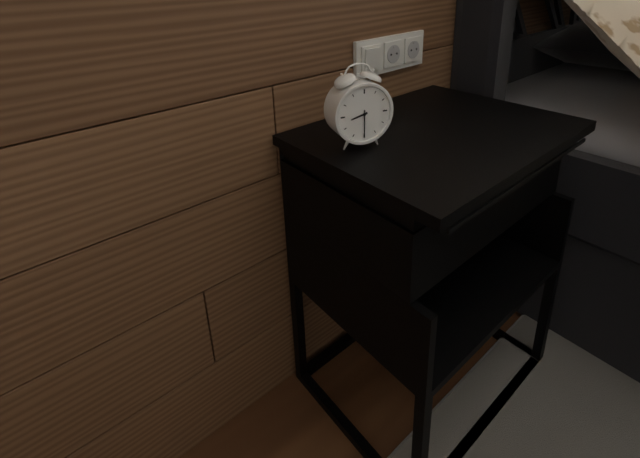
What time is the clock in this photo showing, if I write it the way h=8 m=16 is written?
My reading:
h=8 m=30
